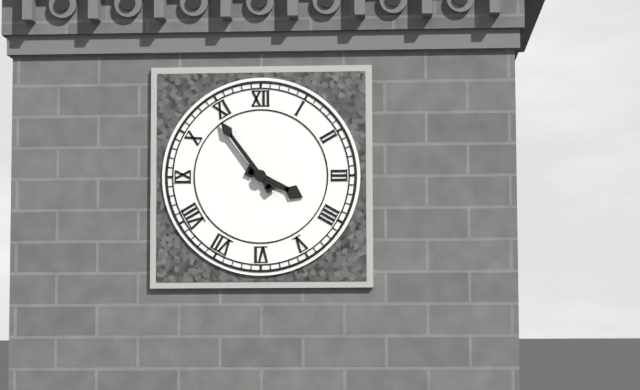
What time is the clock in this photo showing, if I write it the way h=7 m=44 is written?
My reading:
h=3 m=54
